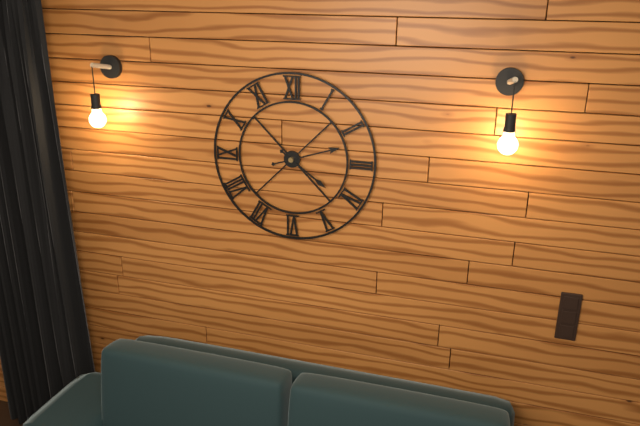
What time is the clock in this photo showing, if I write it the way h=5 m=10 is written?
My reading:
h=4 m=12
